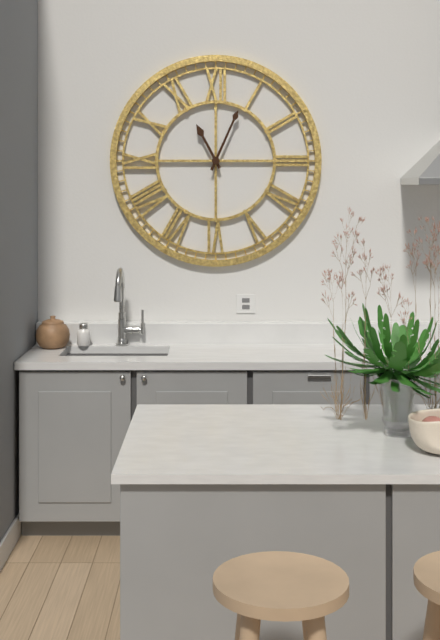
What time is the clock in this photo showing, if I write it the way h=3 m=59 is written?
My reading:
h=11 m=4
